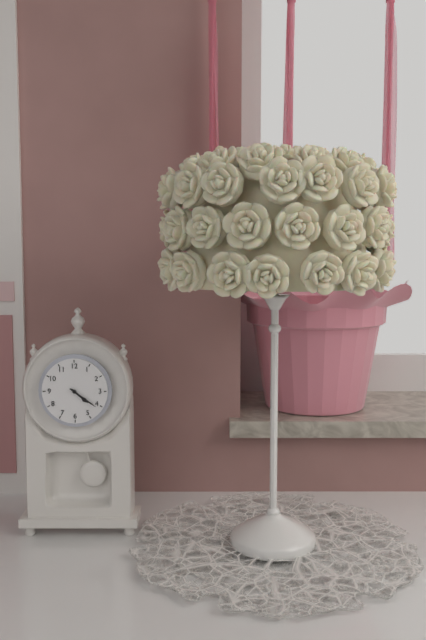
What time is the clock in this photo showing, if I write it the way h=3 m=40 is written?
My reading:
h=4 m=21
